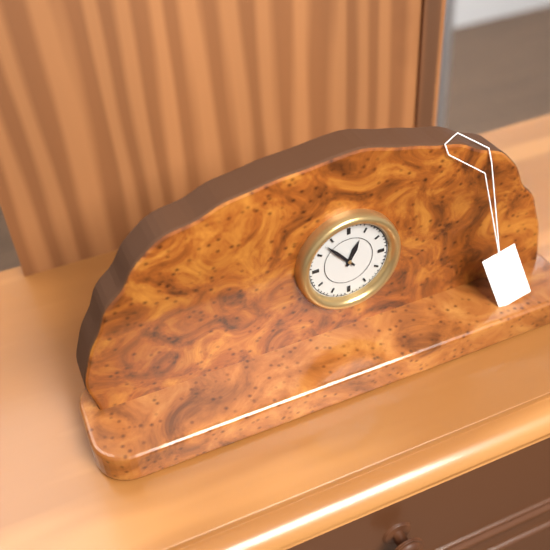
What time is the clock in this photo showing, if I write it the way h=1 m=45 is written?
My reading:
h=12 m=53
